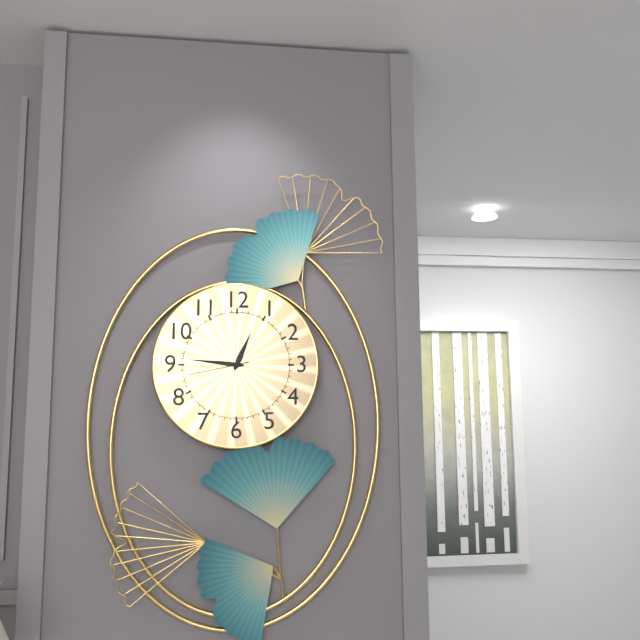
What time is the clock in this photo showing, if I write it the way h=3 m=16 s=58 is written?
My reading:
h=12 m=46 s=43
